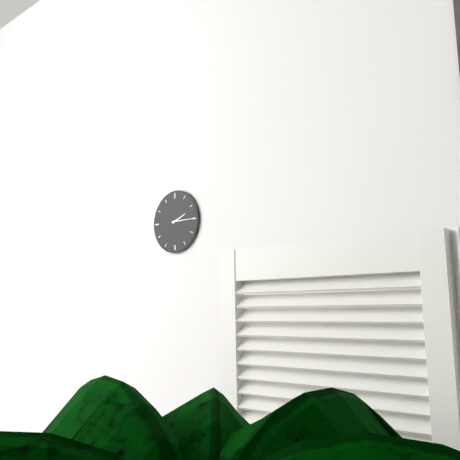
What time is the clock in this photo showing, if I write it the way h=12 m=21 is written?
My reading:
h=2 m=15
